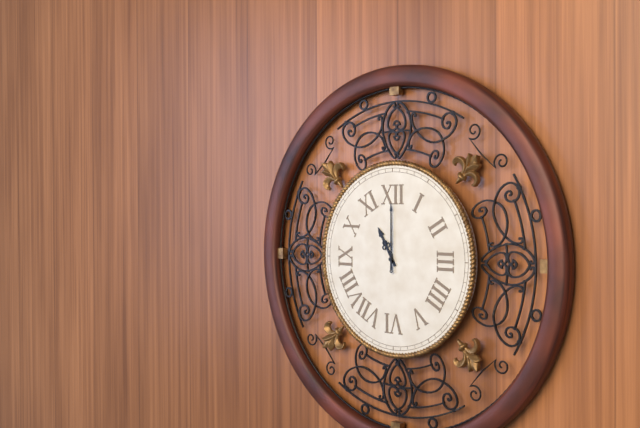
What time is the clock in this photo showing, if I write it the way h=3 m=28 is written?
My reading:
h=11 m=0
